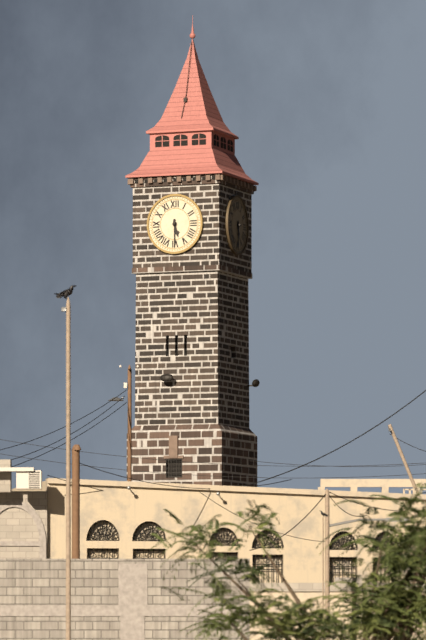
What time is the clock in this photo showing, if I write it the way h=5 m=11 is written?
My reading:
h=5 m=30
